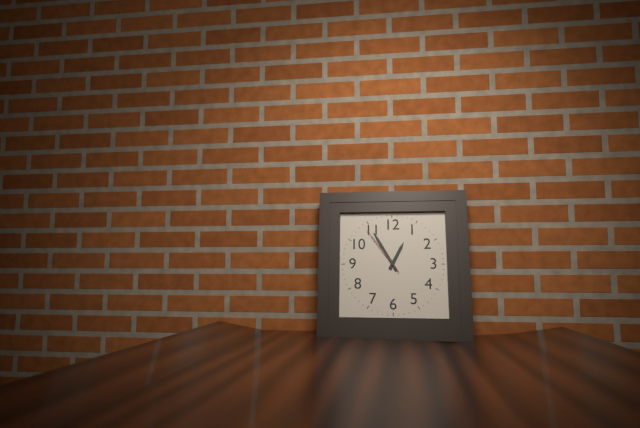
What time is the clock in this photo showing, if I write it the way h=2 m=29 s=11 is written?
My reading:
h=12 m=55 s=54
